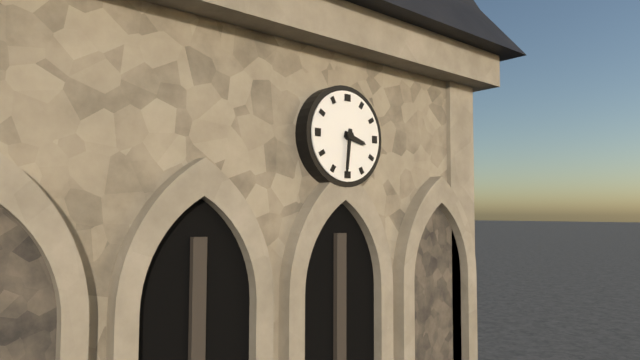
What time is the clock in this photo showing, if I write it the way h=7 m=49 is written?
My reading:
h=3 m=31
